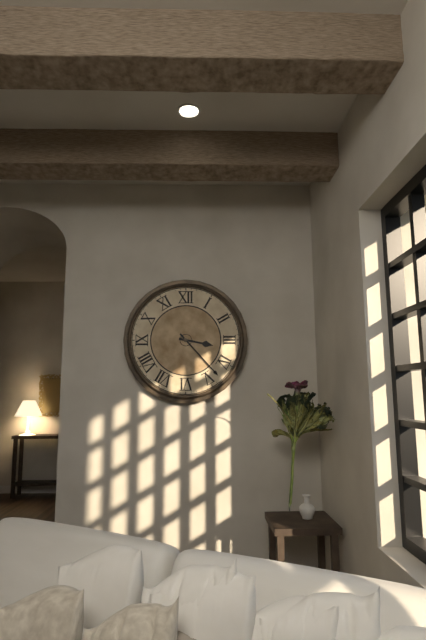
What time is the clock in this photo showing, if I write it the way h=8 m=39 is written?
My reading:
h=3 m=23
